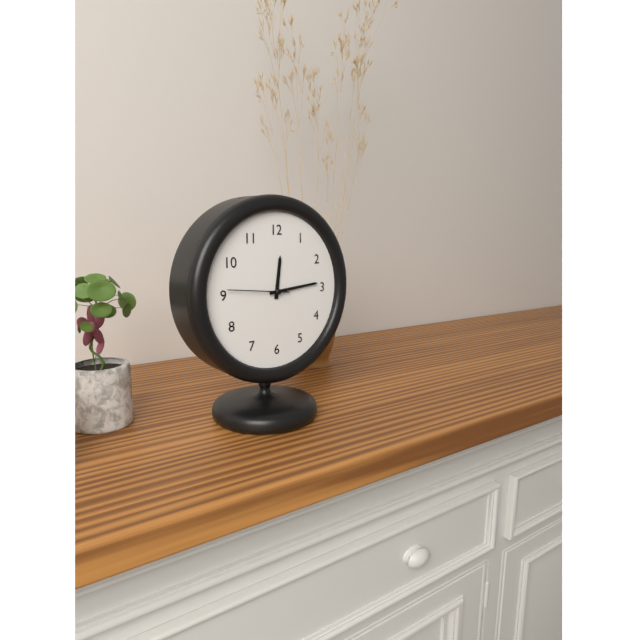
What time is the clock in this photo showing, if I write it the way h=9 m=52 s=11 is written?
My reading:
h=12 m=14 s=46
